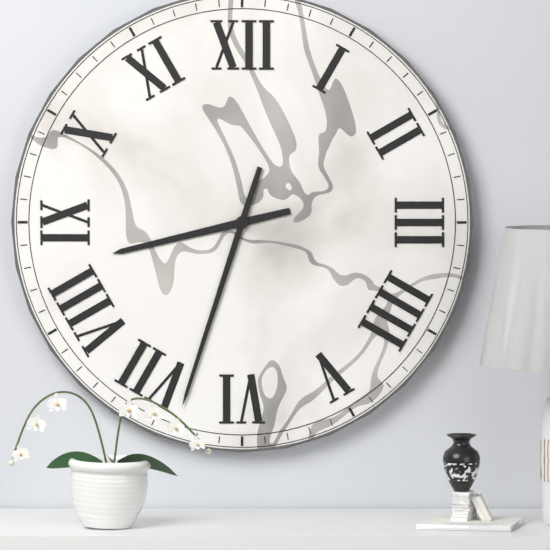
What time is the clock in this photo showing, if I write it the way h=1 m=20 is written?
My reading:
h=8 m=33
